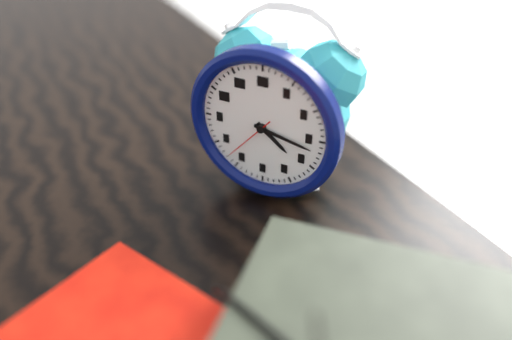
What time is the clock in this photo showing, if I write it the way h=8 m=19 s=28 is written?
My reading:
h=4 m=17 s=37
